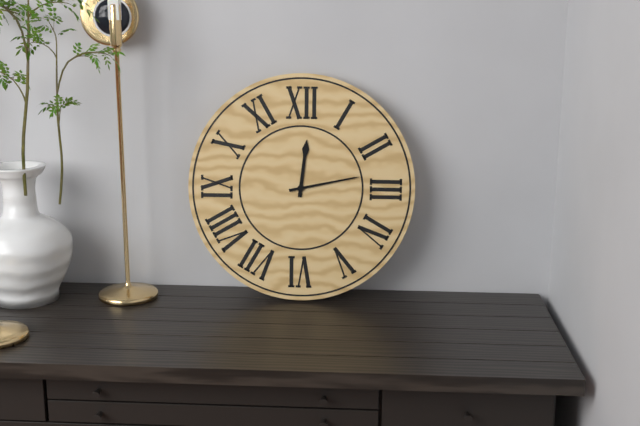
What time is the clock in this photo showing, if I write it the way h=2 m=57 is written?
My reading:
h=12 m=13
